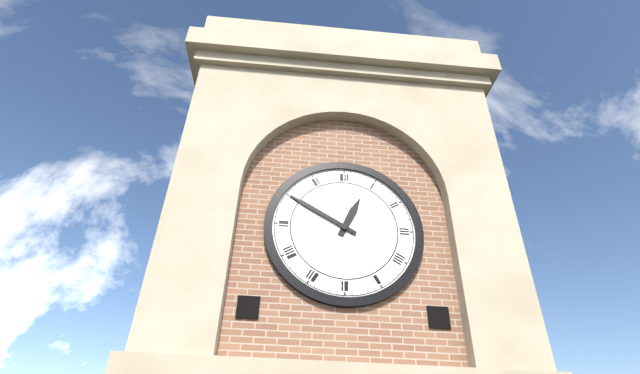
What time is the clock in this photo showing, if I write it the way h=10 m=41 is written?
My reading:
h=12 m=50
